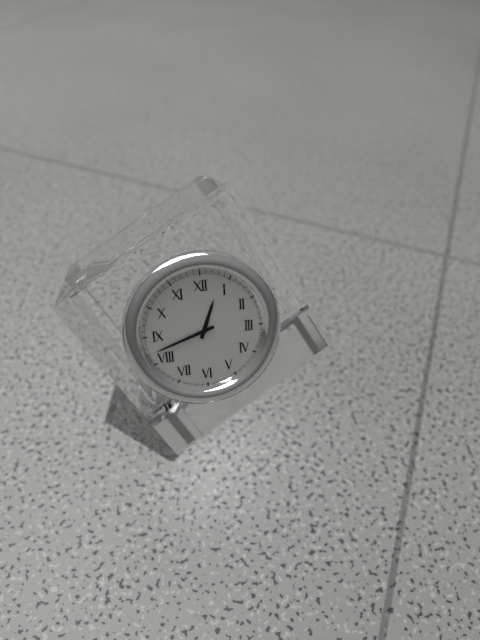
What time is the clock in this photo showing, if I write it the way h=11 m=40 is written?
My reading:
h=12 m=42
